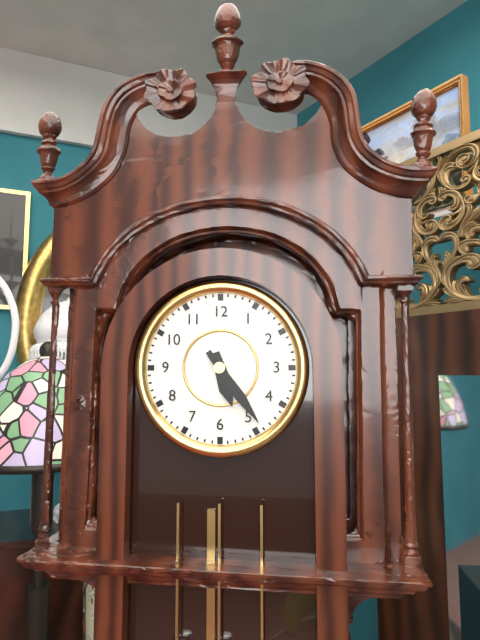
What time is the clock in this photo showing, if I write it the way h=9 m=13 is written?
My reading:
h=5 m=24
